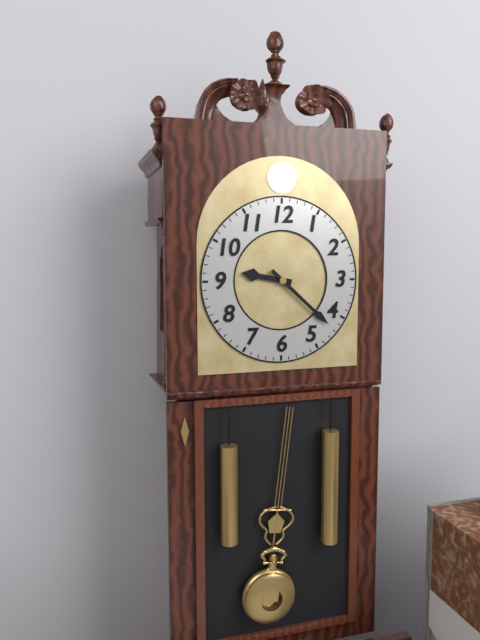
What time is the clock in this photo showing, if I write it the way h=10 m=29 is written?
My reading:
h=9 m=22
